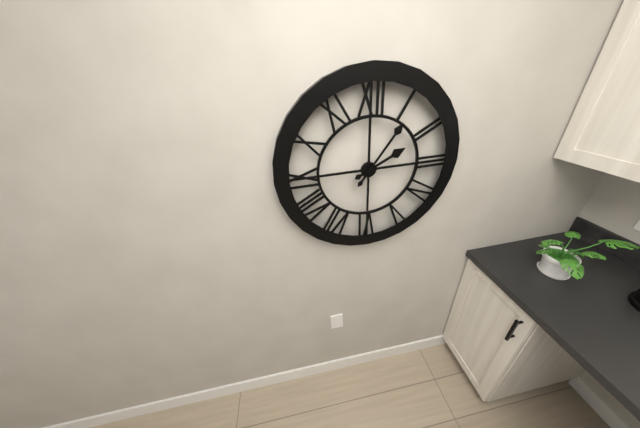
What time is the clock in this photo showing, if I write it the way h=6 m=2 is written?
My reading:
h=2 m=6
